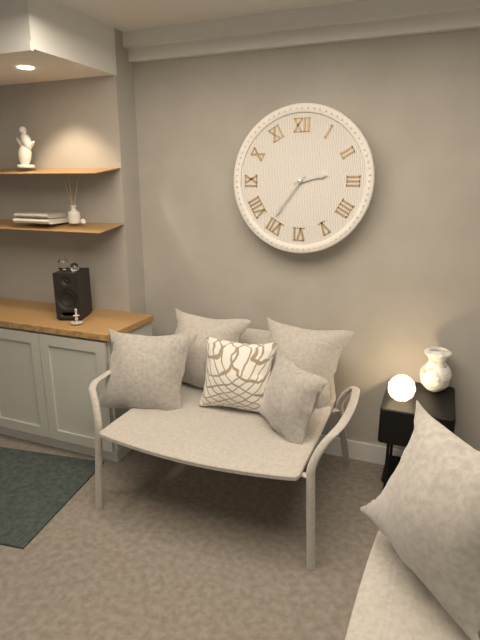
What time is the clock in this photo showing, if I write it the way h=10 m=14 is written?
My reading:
h=2 m=36
